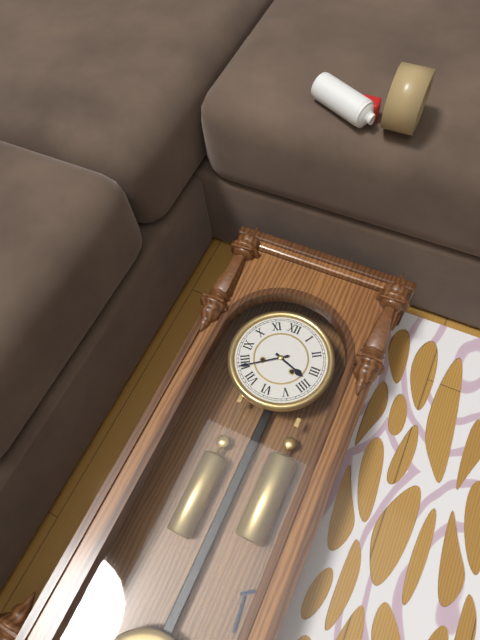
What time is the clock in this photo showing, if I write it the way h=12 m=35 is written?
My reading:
h=3 m=39
